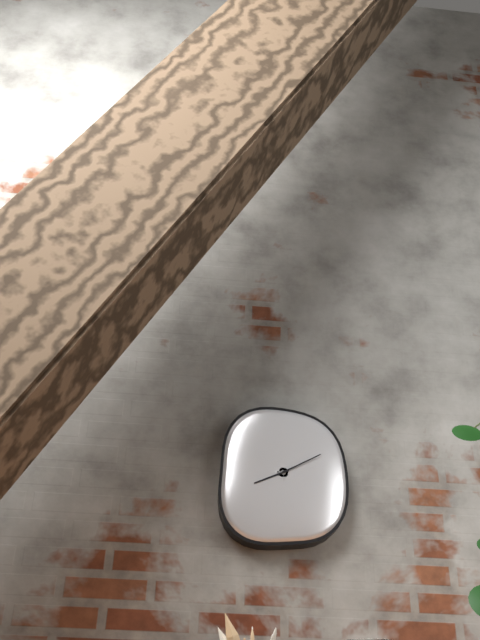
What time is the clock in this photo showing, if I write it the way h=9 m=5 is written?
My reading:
h=8 m=10
